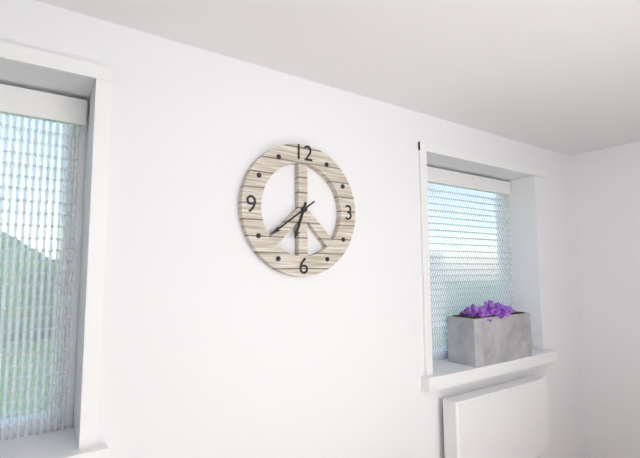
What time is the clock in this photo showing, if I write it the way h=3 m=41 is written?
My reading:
h=6 m=39
